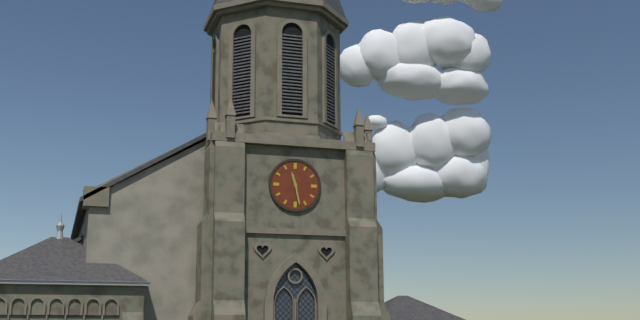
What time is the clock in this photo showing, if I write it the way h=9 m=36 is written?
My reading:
h=11 m=28
